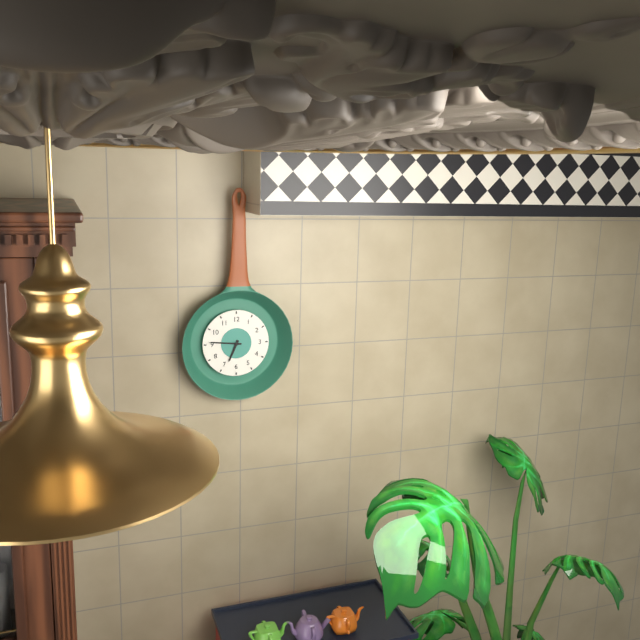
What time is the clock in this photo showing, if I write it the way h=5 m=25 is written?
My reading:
h=6 m=46
